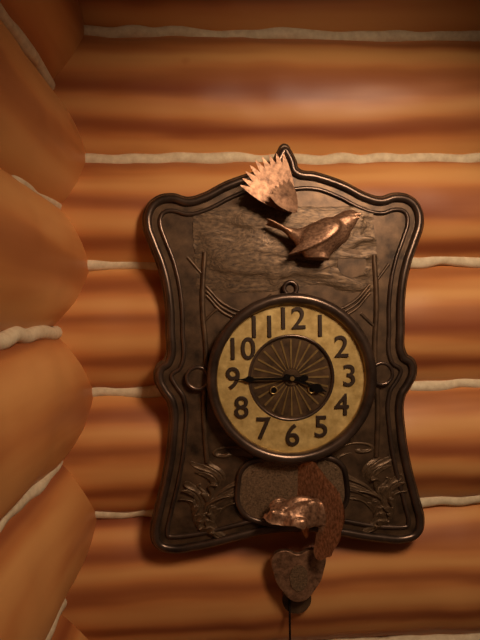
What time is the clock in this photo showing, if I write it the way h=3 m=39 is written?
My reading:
h=3 m=45
